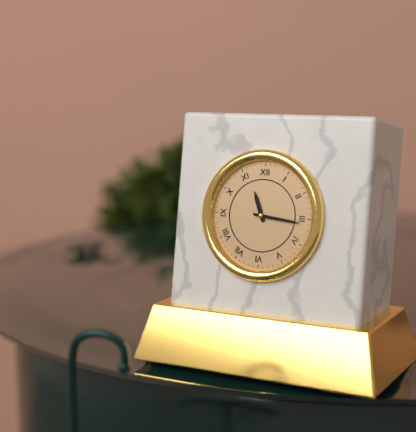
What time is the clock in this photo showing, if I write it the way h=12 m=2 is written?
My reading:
h=11 m=16
